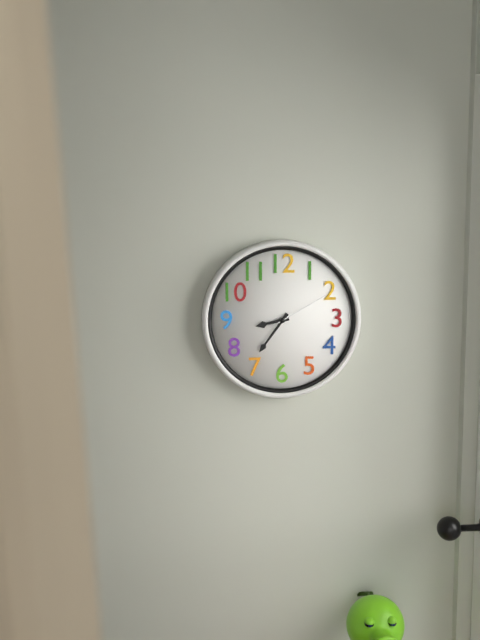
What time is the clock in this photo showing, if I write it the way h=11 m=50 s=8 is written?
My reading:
h=8 m=36 s=10
